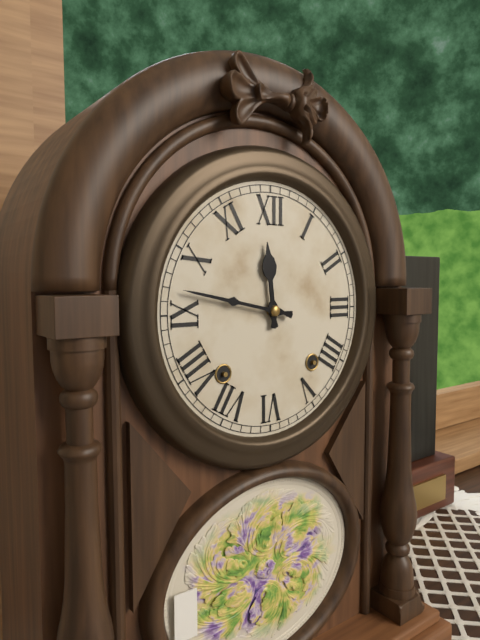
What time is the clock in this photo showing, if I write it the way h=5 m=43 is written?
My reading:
h=11 m=47
